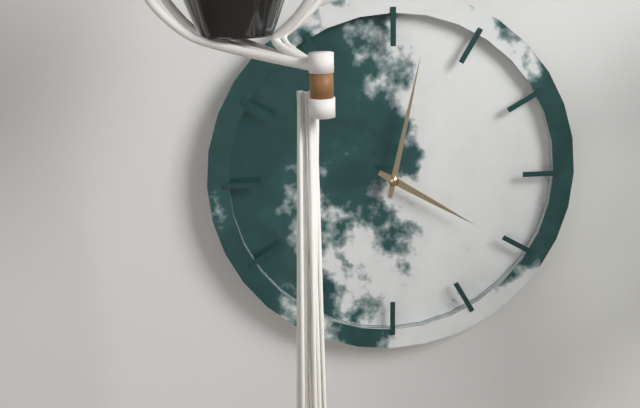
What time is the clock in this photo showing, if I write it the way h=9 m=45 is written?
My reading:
h=4 m=2
